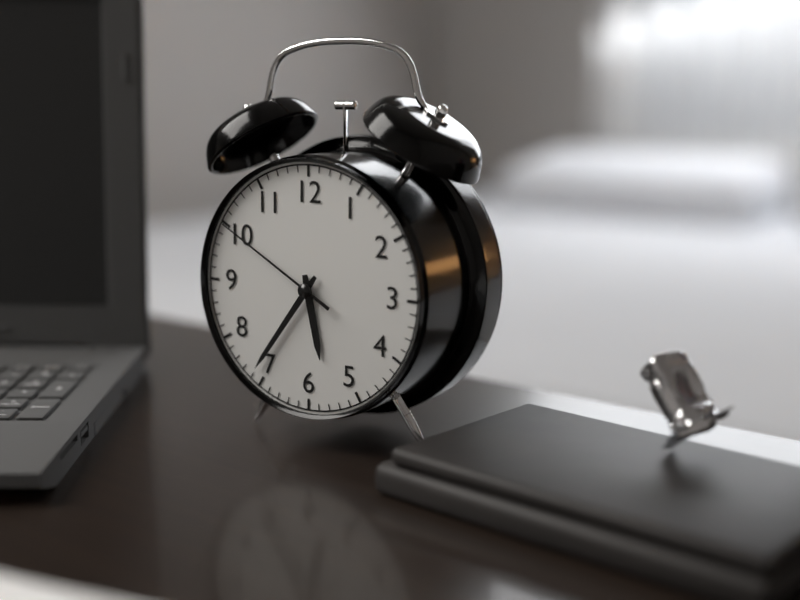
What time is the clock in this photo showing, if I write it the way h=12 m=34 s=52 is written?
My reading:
h=5 m=36 s=50
